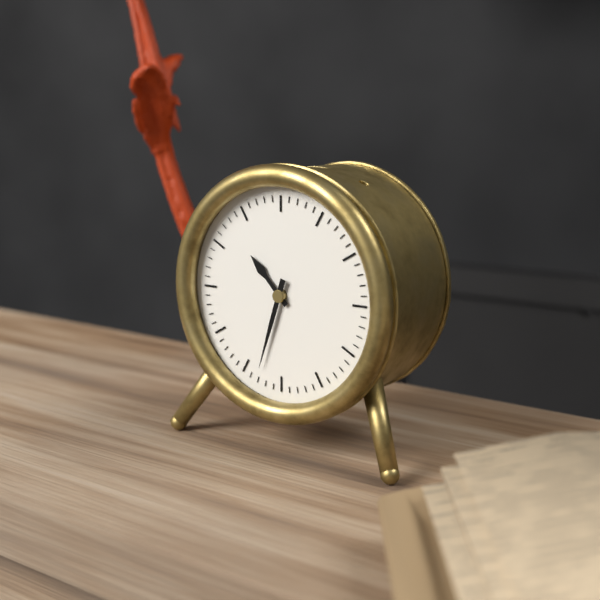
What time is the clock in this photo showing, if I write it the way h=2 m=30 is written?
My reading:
h=10 m=33
